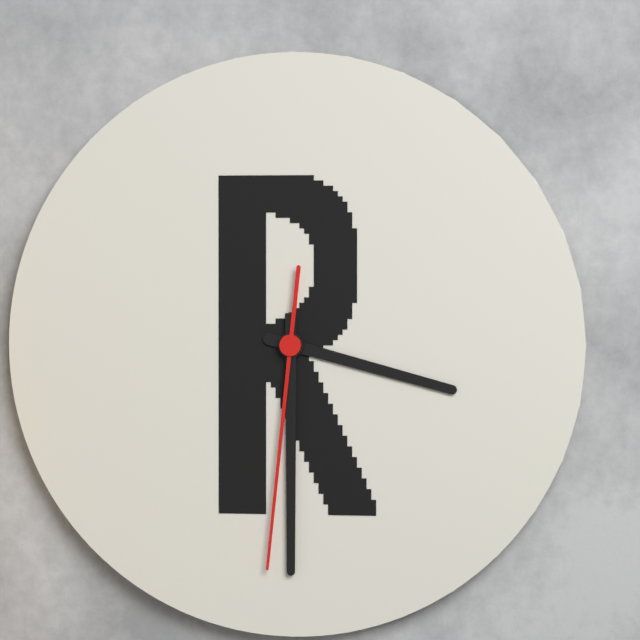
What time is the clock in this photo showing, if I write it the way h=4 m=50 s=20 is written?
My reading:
h=3 m=30 s=31
